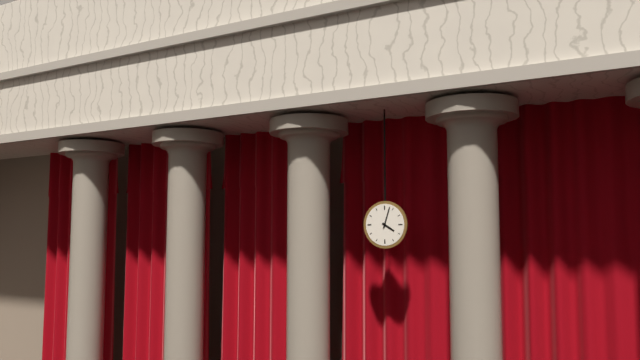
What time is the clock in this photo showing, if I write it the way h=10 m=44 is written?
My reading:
h=4 m=3
